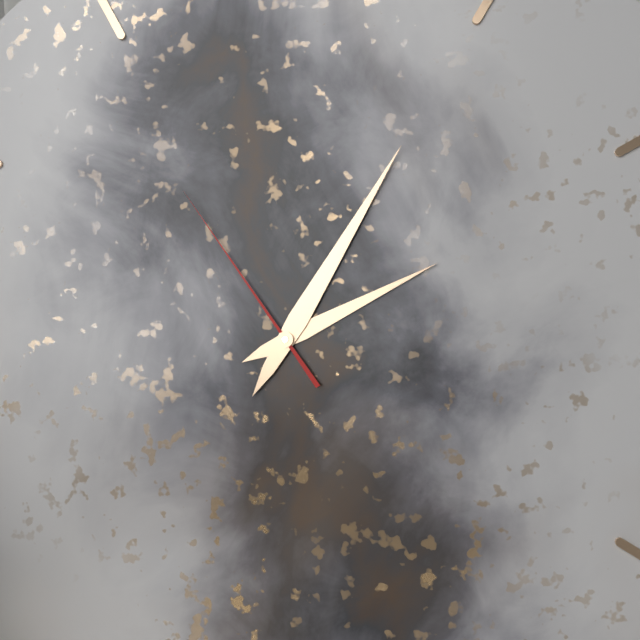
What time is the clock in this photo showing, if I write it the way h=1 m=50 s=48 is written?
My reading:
h=2 m=5 s=54
